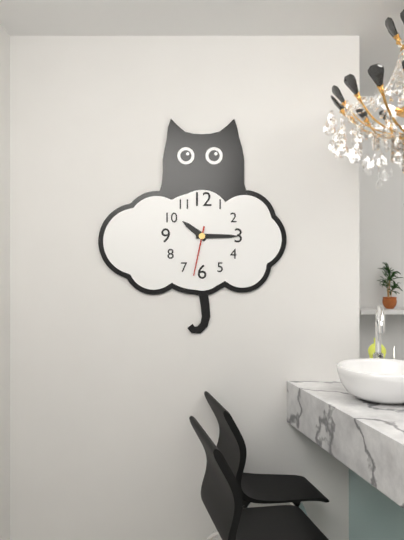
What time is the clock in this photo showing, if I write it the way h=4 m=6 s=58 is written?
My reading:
h=10 m=15 s=32
